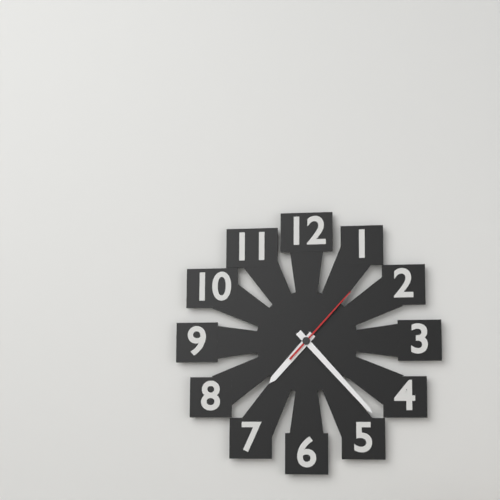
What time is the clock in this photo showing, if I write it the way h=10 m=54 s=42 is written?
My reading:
h=7 m=23 s=7
